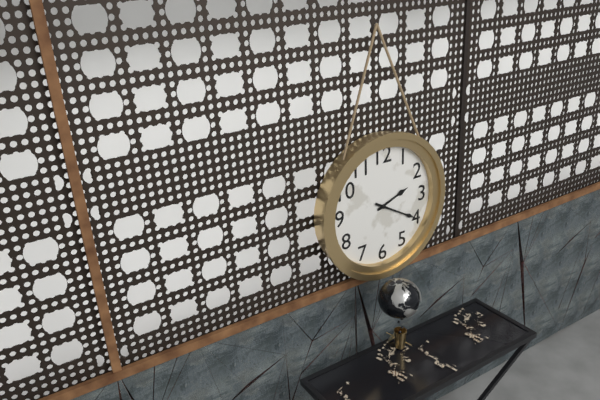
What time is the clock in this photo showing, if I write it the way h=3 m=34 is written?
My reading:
h=2 m=20
